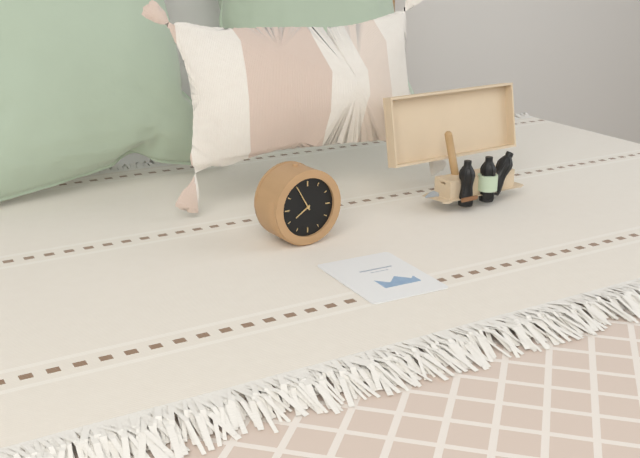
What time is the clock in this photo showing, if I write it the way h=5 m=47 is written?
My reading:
h=7 m=55
